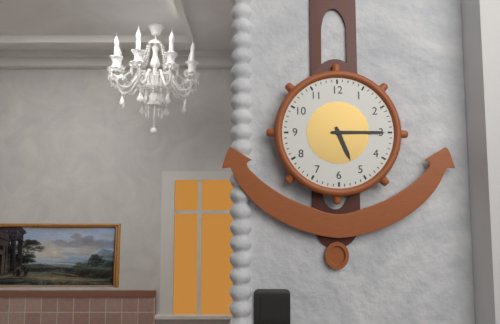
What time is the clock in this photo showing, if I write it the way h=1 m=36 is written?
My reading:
h=5 m=15
